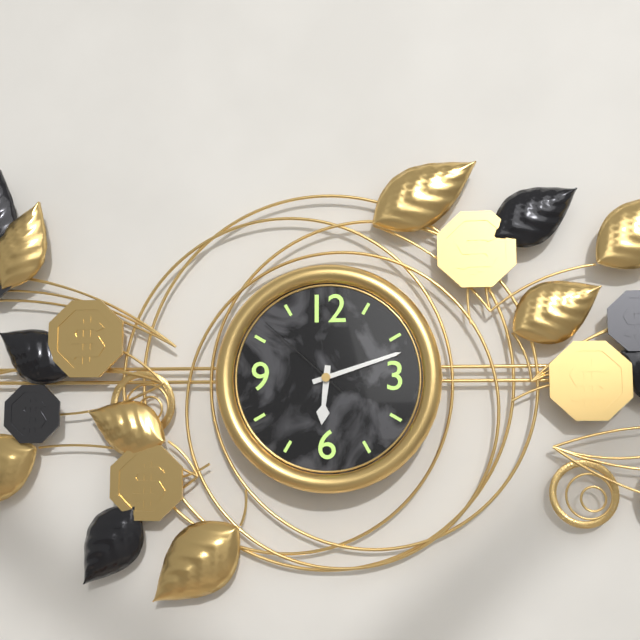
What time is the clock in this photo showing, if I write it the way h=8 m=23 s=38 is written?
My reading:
h=6 m=12 s=52
